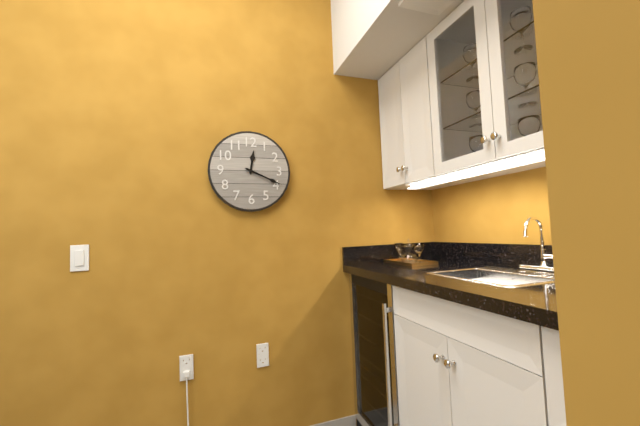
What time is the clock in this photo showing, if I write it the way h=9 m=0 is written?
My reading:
h=12 m=19
